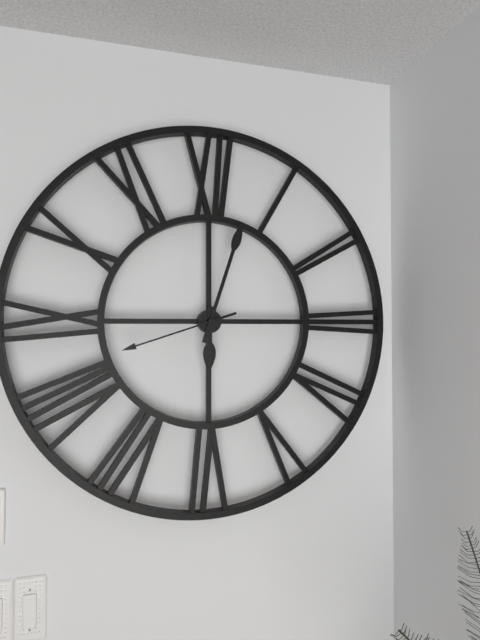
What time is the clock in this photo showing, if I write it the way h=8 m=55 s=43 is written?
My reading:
h=6 m=3 s=42
